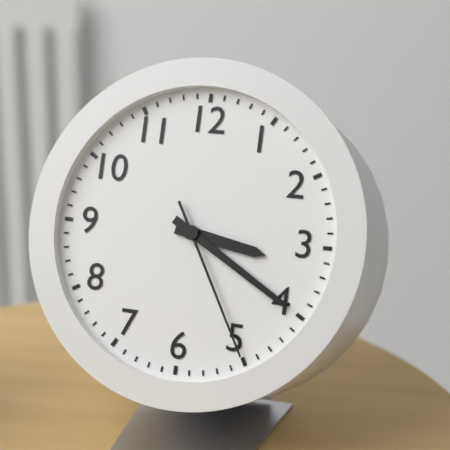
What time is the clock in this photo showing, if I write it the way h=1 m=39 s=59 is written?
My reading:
h=3 m=20 s=25
